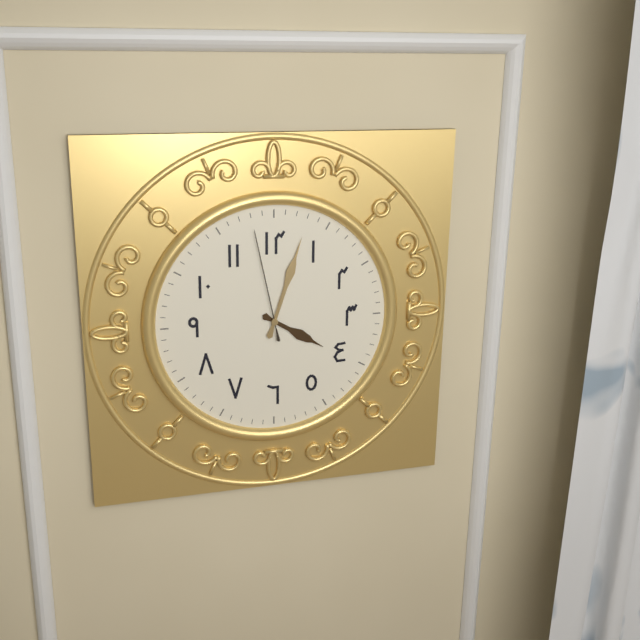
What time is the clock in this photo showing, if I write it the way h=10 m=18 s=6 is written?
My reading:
h=4 m=3 s=58
